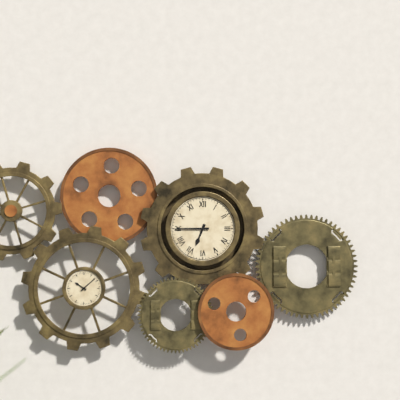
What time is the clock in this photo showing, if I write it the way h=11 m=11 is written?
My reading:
h=6 m=45
